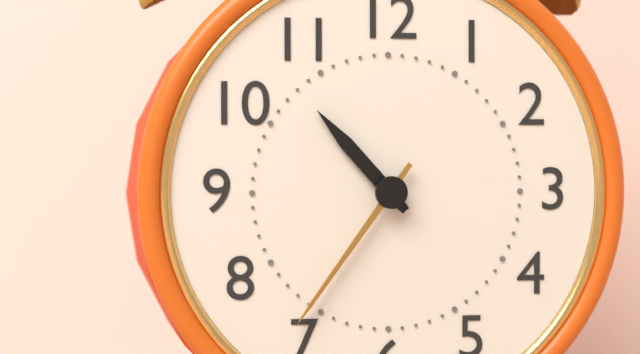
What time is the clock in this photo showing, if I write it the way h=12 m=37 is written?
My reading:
h=10 m=36
